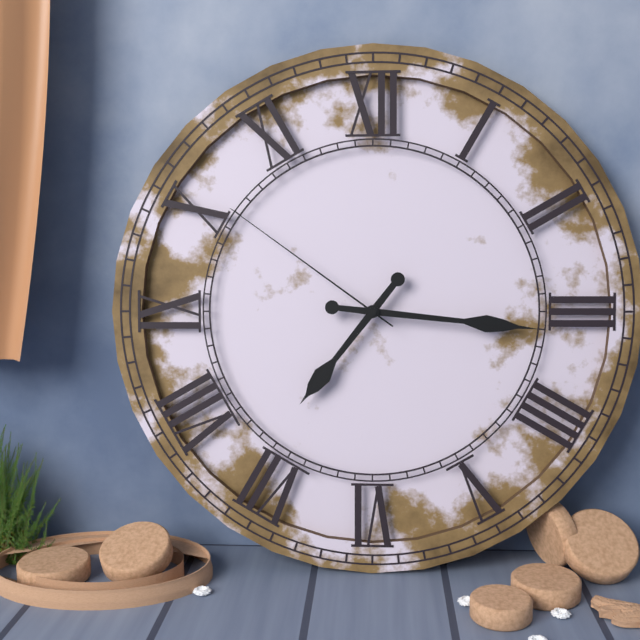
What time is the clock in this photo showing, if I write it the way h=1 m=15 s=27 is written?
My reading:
h=7 m=16 s=51
